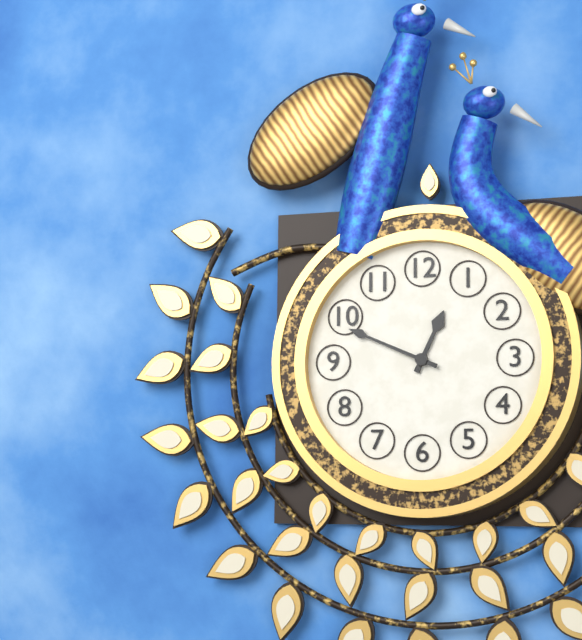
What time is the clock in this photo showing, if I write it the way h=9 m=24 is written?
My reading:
h=12 m=49
